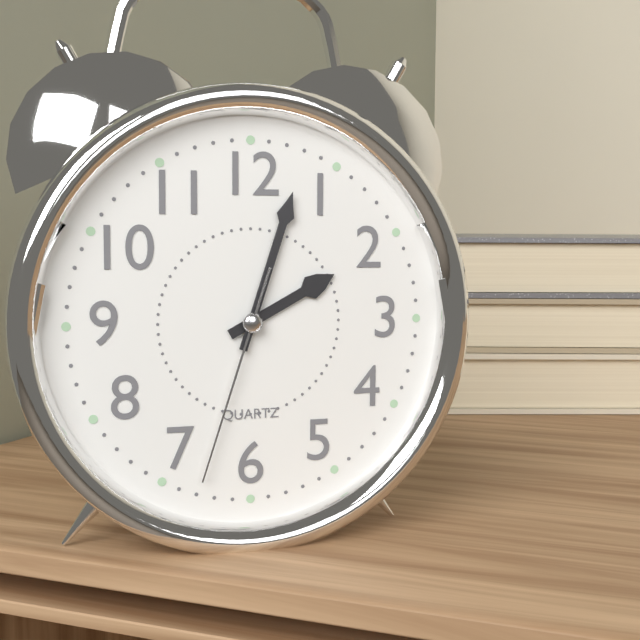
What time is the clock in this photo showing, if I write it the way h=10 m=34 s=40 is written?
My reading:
h=2 m=3 s=33
